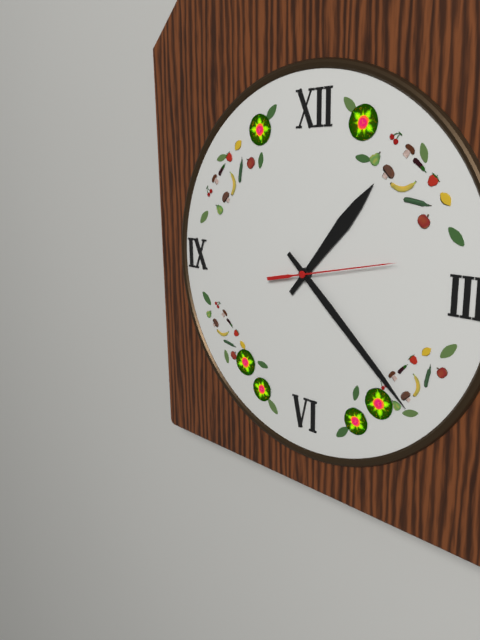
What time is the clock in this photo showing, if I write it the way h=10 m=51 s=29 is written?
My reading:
h=1 m=22 s=13
